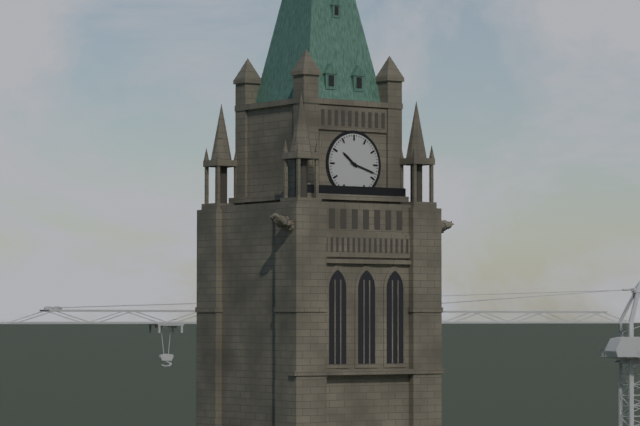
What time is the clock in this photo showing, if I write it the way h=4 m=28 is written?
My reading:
h=10 m=18
